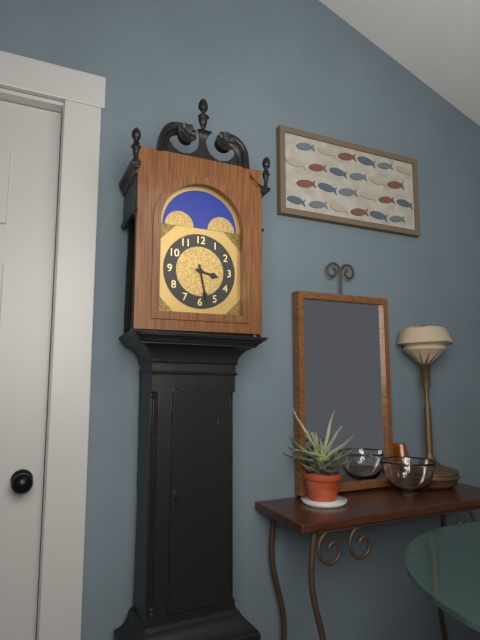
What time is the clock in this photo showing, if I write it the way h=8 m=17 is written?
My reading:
h=3 m=28
